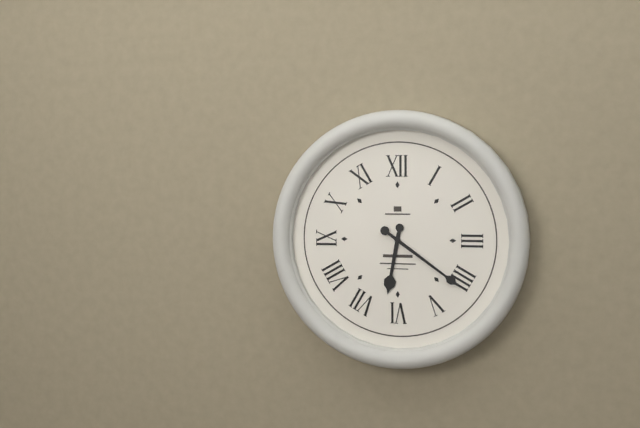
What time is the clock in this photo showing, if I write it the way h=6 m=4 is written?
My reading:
h=6 m=21
